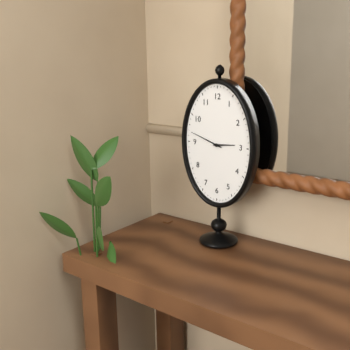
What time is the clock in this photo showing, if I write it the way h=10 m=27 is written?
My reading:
h=2 m=48
